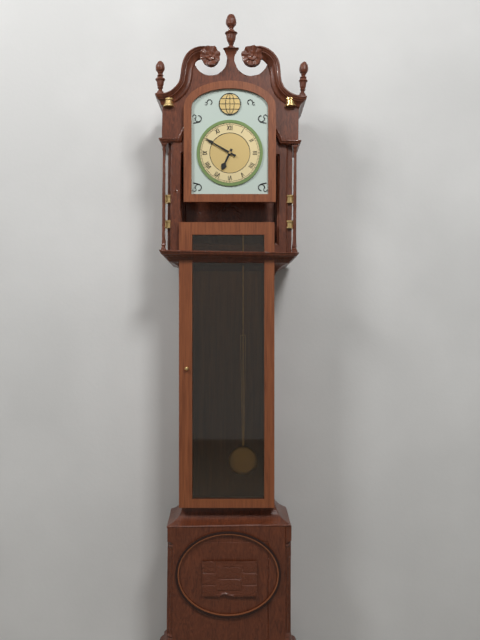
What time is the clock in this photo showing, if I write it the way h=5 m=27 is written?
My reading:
h=6 m=50
